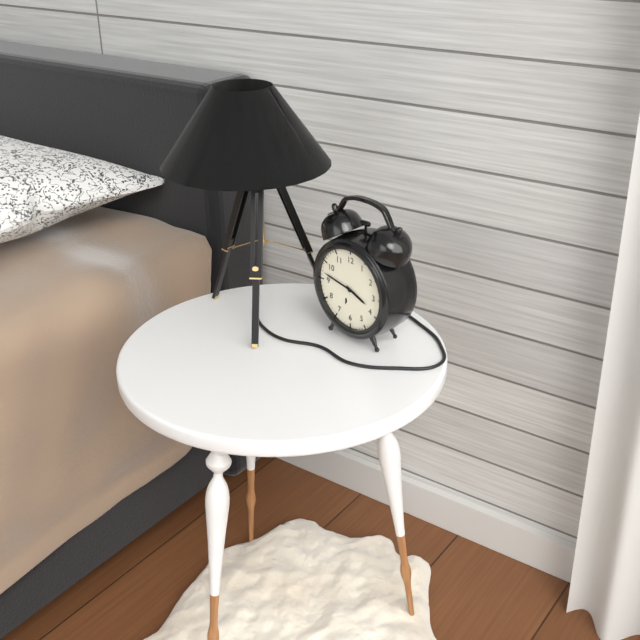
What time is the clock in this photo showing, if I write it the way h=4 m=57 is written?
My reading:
h=3 m=47
